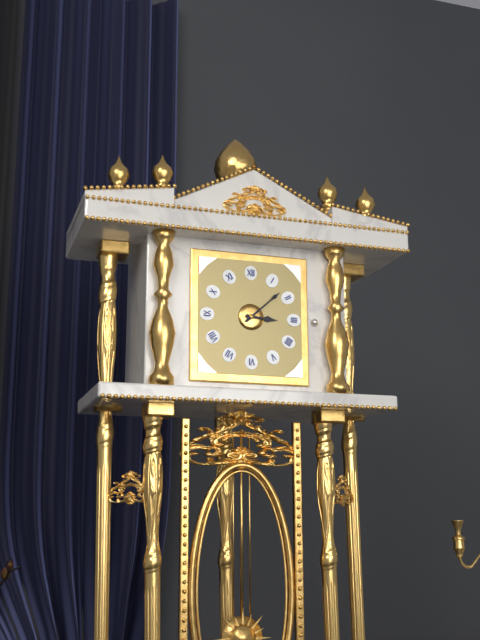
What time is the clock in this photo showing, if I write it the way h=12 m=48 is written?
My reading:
h=3 m=8
